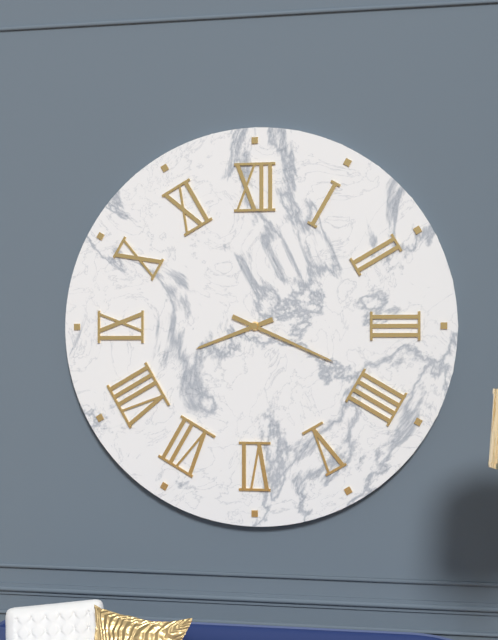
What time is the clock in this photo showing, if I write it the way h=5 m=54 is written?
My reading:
h=8 m=19
